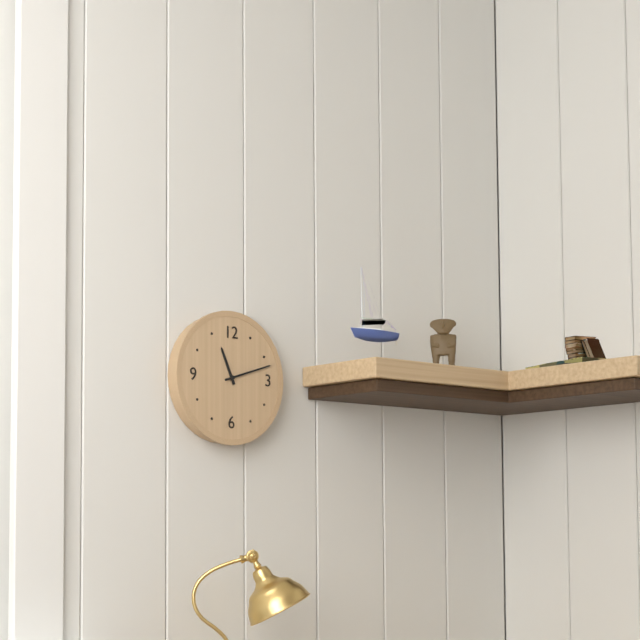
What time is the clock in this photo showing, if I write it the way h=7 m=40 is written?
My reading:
h=11 m=12
